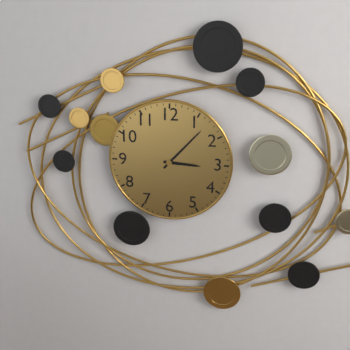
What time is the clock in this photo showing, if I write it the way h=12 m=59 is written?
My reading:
h=3 m=7
